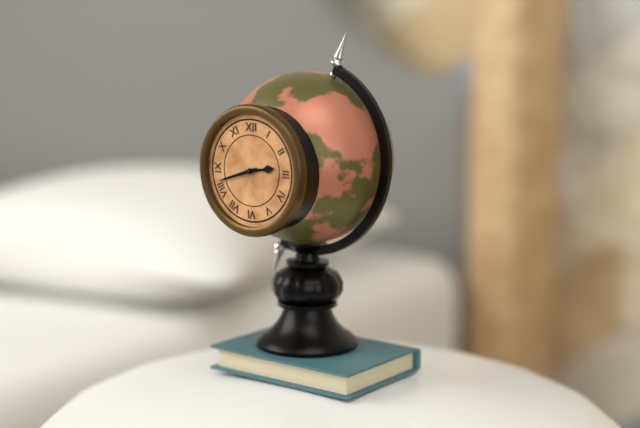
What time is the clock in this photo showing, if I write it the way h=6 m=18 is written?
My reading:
h=2 m=42
